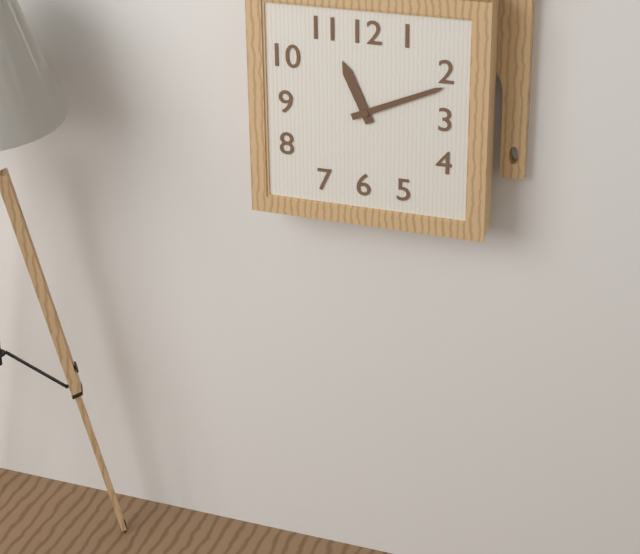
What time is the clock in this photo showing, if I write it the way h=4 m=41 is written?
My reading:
h=11 m=11
